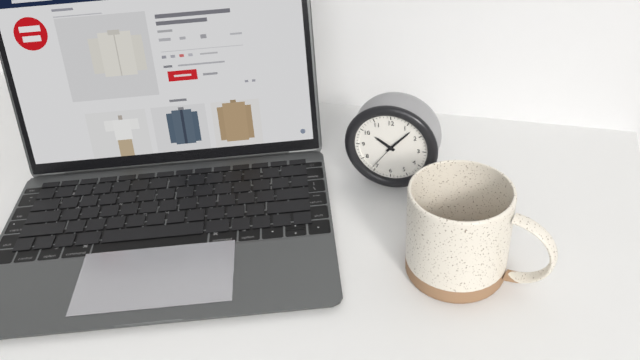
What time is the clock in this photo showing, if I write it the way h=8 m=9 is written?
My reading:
h=10 m=7
